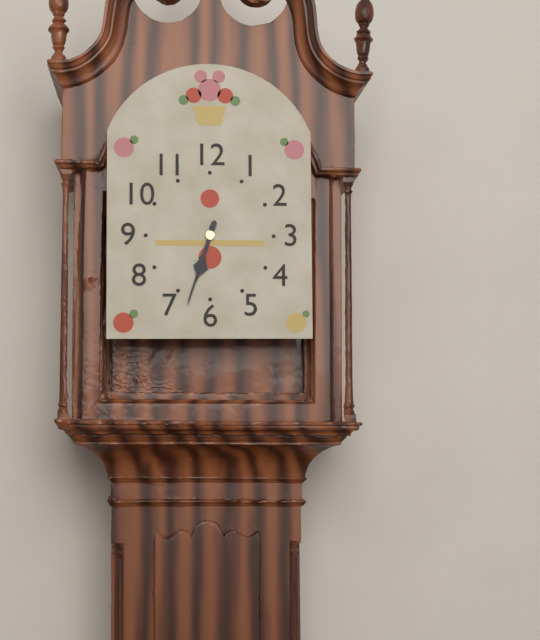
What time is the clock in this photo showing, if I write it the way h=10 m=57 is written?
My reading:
h=6 m=33
